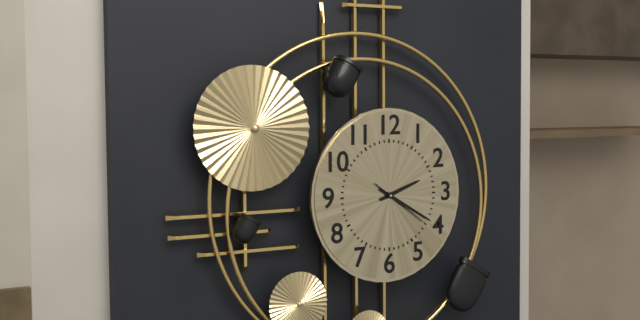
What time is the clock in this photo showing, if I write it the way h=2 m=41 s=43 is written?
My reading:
h=2 m=20 s=21
